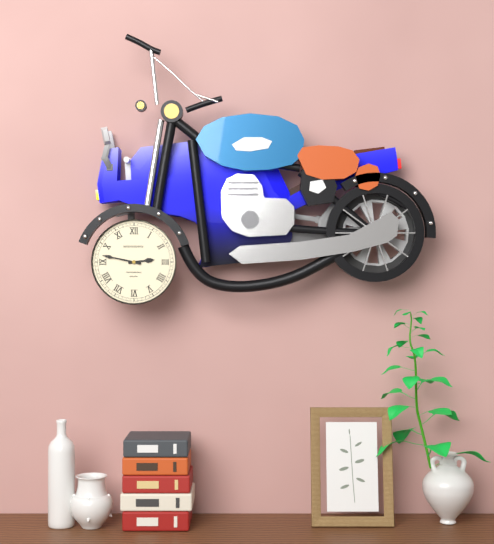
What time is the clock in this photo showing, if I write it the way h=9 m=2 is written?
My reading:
h=2 m=47
